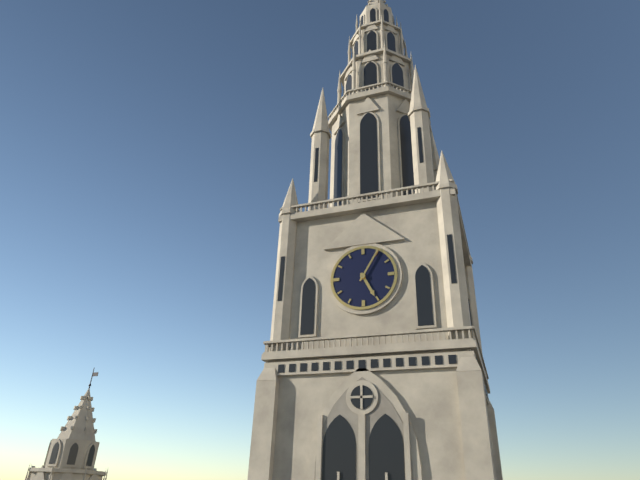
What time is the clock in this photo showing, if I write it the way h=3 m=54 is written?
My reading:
h=5 m=5
